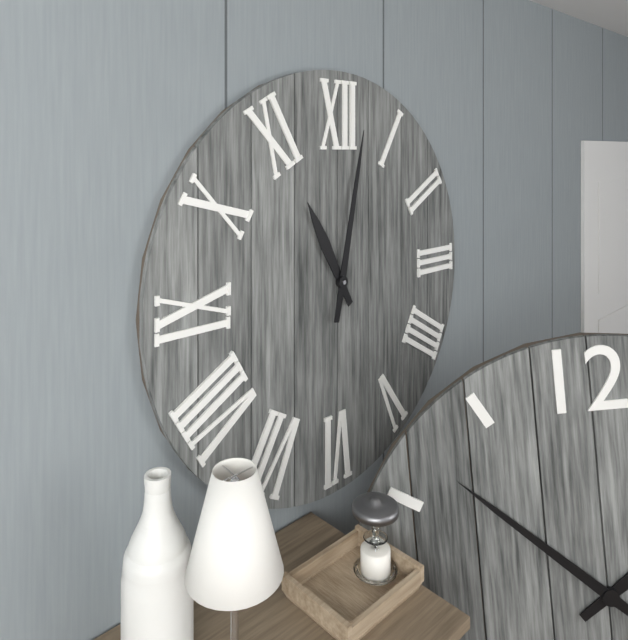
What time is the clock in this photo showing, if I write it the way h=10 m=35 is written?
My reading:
h=11 m=2
